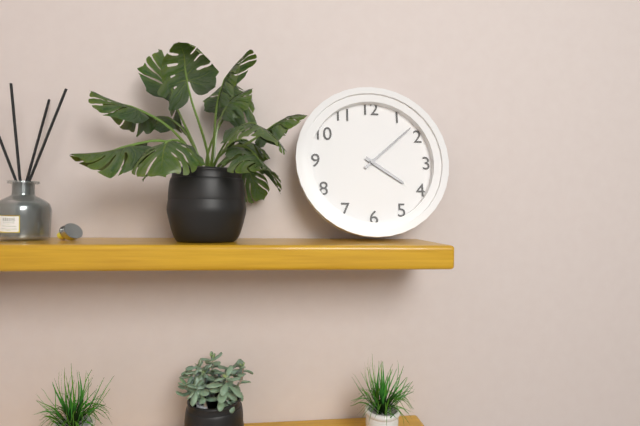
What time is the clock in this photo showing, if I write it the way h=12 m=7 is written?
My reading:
h=4 m=8
